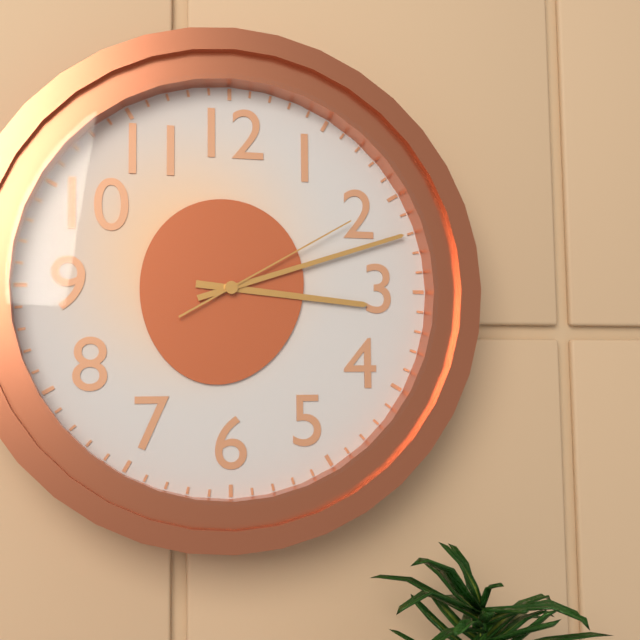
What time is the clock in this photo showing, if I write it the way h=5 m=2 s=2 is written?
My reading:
h=3 m=12 s=10
